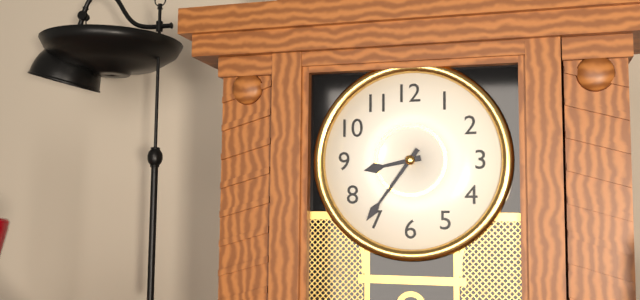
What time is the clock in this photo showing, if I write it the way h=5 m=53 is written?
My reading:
h=8 m=36
